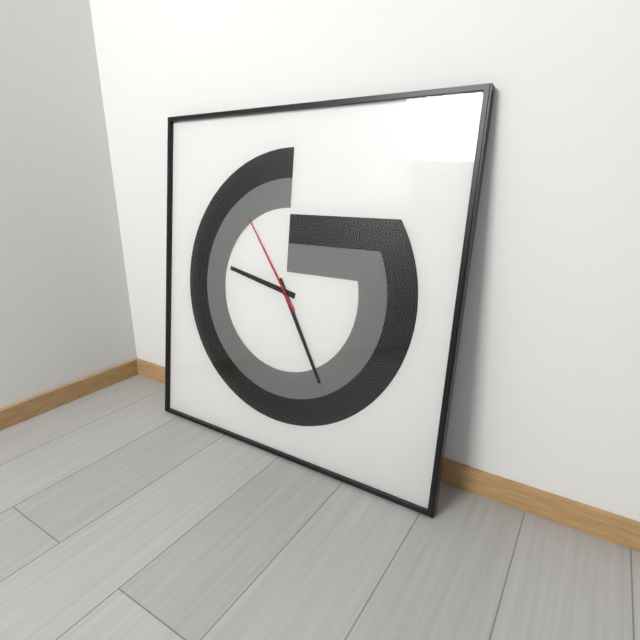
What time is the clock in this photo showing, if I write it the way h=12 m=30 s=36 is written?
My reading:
h=9 m=25 s=54
